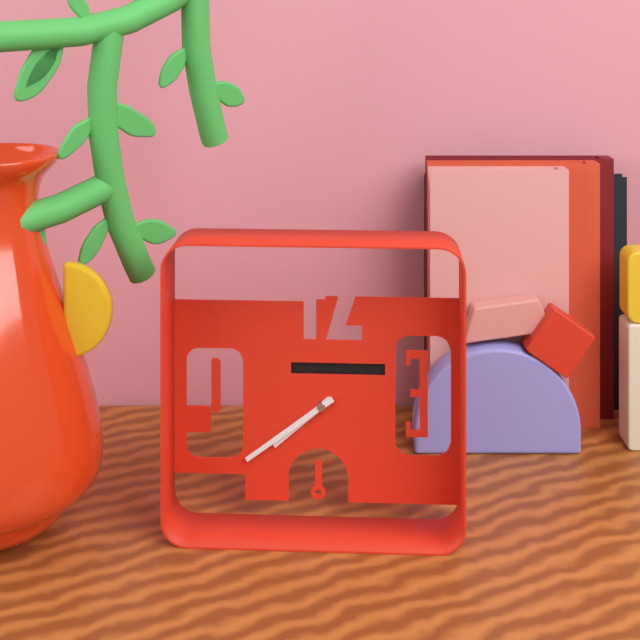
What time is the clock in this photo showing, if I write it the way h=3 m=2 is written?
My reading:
h=7 m=39
